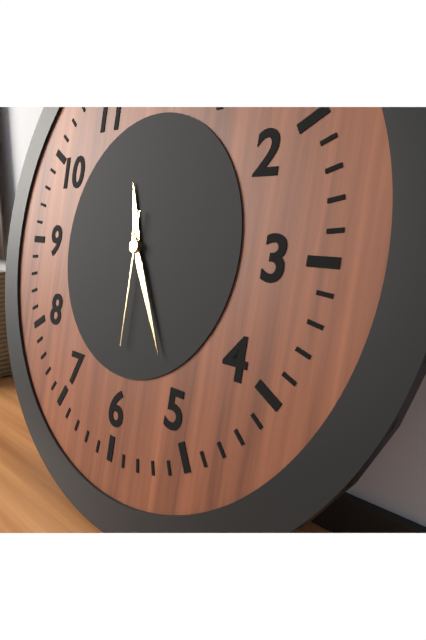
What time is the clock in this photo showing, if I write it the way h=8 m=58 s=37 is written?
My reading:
h=11 m=25 s=30
